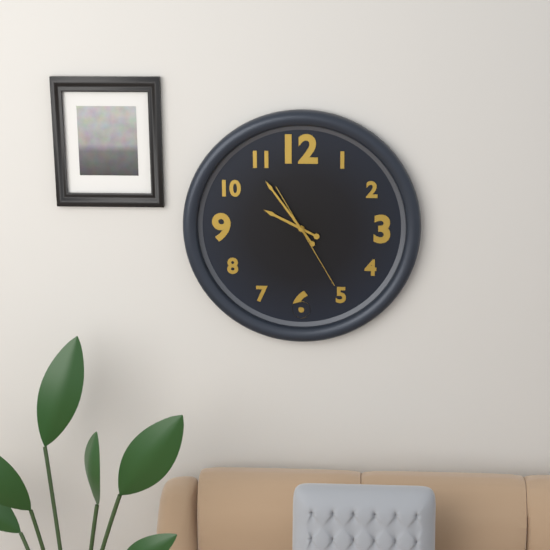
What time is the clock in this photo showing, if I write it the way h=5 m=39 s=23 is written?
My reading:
h=9 m=54 s=25
